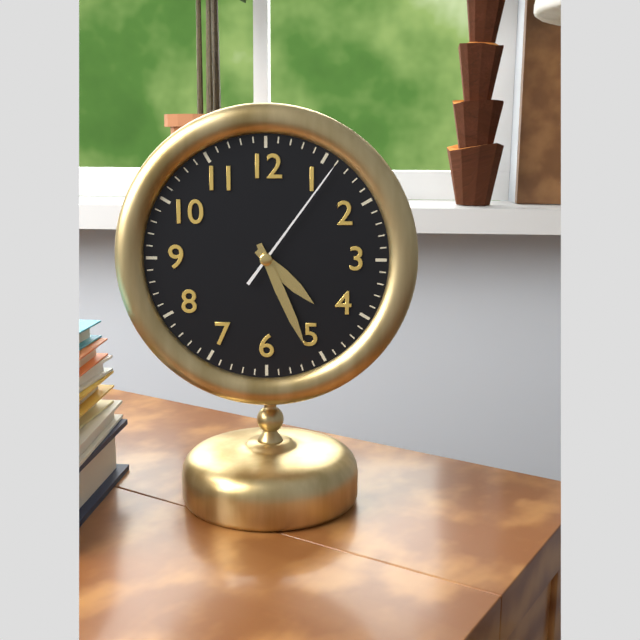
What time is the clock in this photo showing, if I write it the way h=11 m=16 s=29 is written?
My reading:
h=4 m=26 s=6
